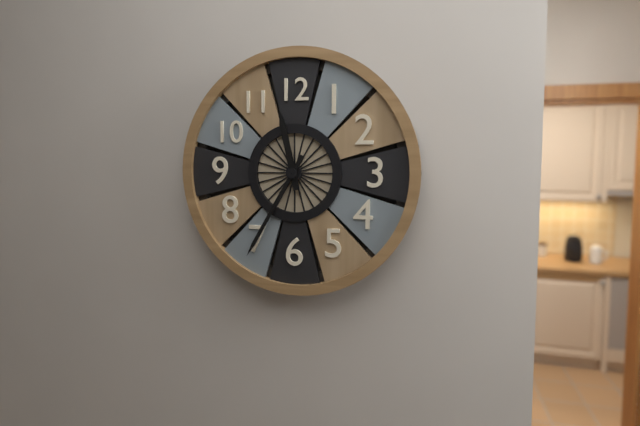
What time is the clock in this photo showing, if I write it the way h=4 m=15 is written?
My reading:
h=11 m=35
